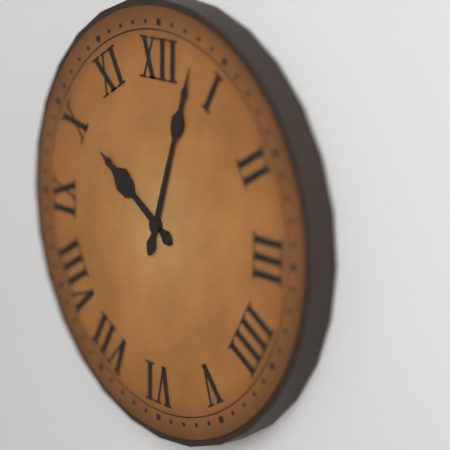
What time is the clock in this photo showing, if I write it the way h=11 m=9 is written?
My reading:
h=10 m=3
